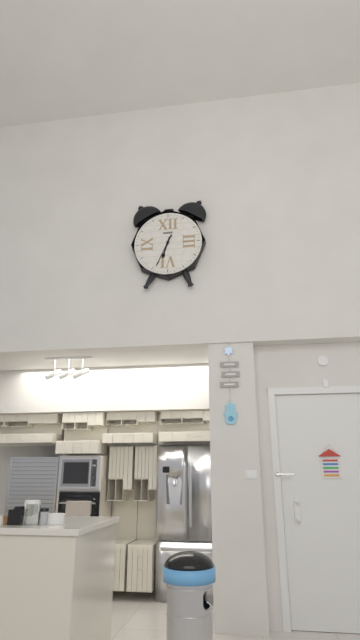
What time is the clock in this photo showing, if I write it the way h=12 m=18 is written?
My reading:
h=6 m=34
